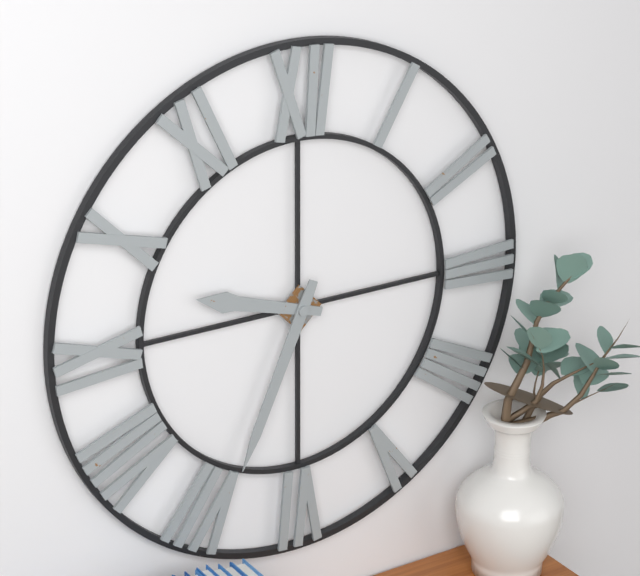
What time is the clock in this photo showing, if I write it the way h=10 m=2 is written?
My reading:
h=9 m=34
